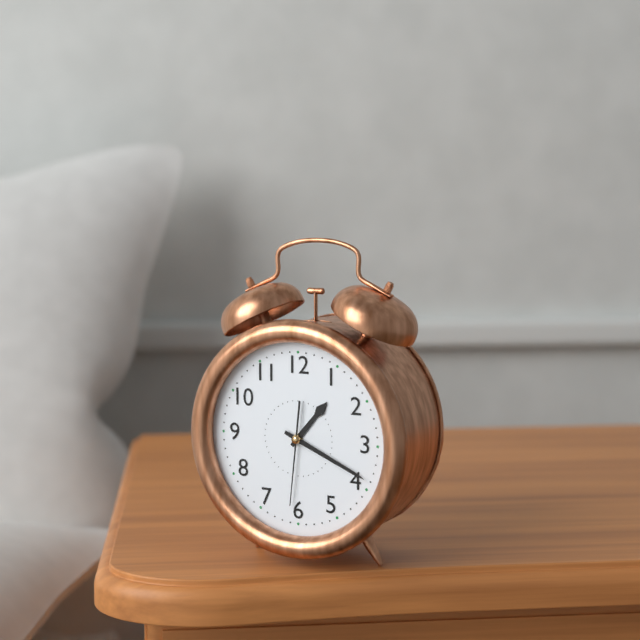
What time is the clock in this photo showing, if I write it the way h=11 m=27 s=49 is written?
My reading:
h=1 m=19 s=31
